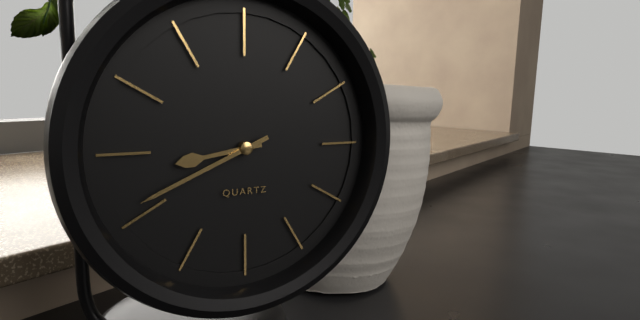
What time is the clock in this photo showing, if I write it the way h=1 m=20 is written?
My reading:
h=8 m=41
